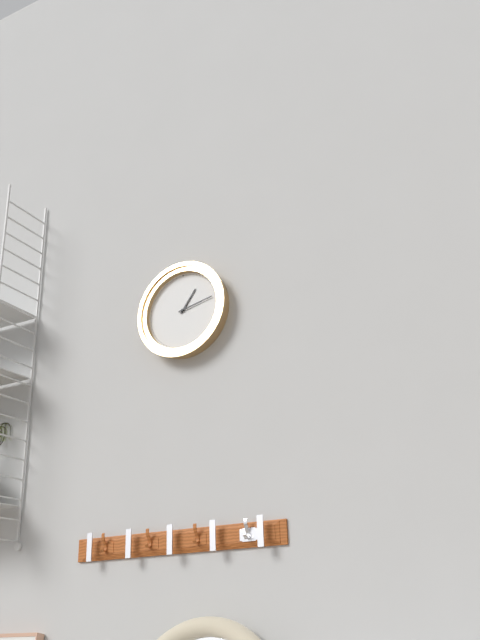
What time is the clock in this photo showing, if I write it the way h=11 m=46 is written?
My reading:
h=1 m=13
